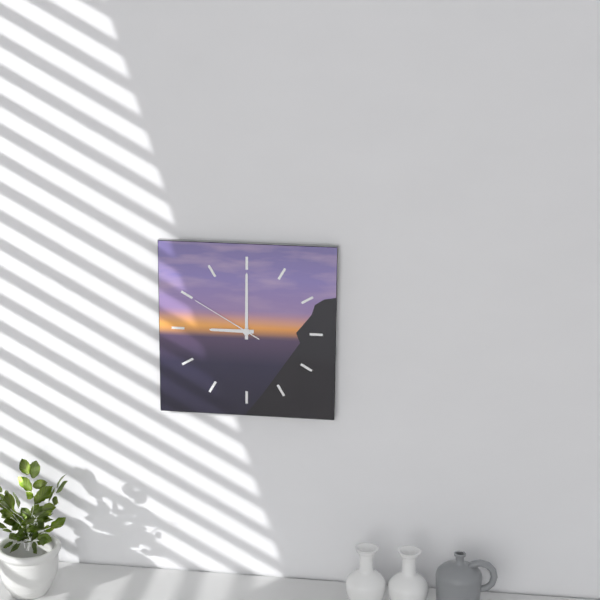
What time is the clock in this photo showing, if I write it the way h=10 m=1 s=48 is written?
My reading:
h=9 m=0 s=50
